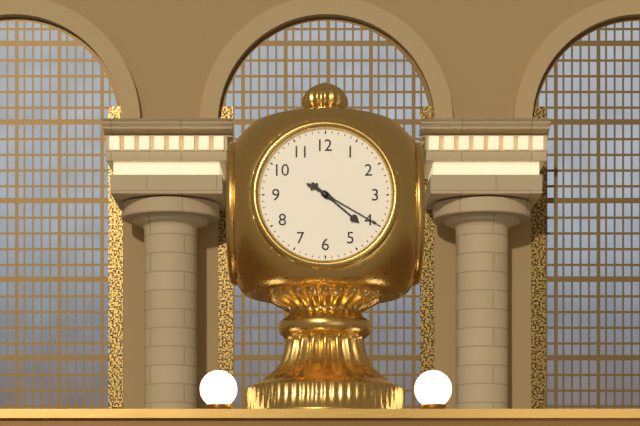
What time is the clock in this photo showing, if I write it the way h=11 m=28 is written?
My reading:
h=4 m=20
